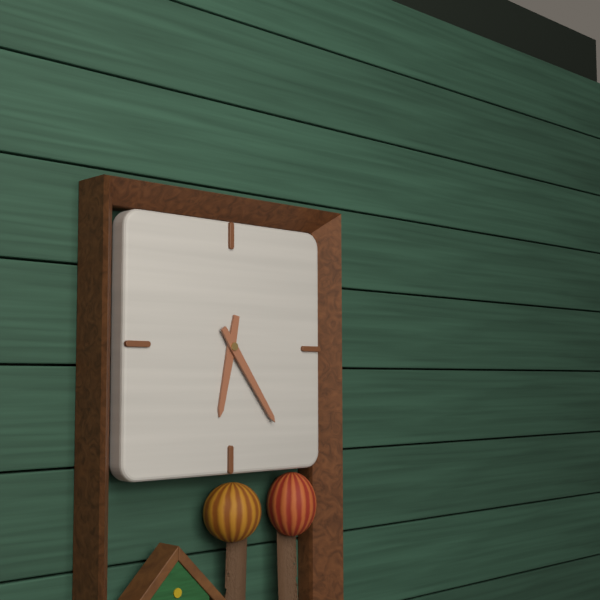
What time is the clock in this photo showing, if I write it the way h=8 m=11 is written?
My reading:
h=6 m=24
